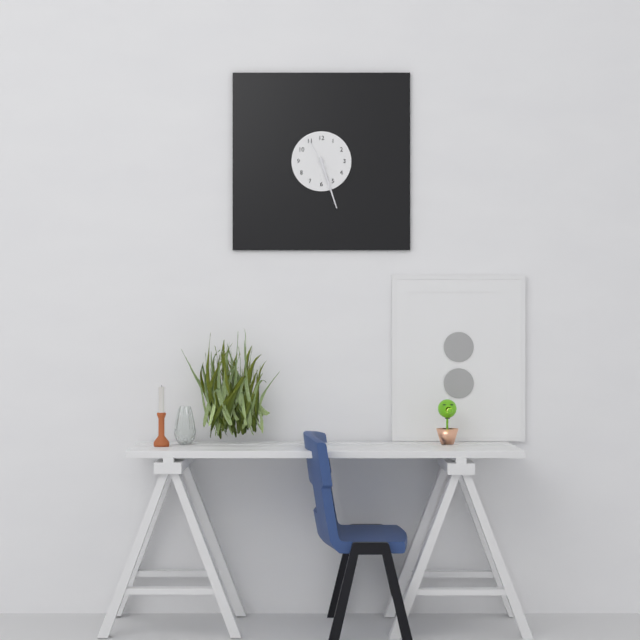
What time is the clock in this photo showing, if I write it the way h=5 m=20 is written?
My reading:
h=5 m=27
